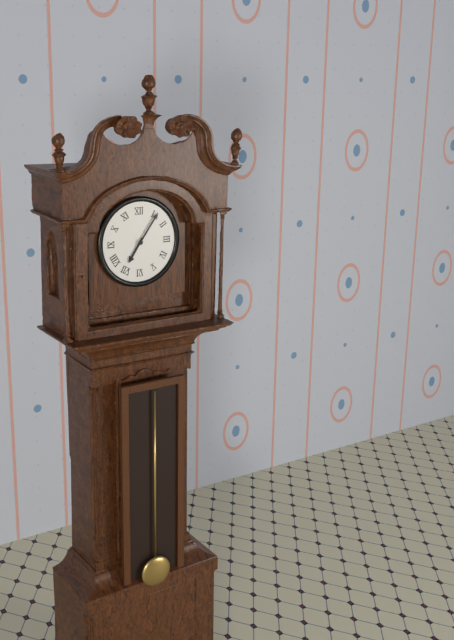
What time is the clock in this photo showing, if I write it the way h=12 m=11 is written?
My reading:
h=7 m=6
